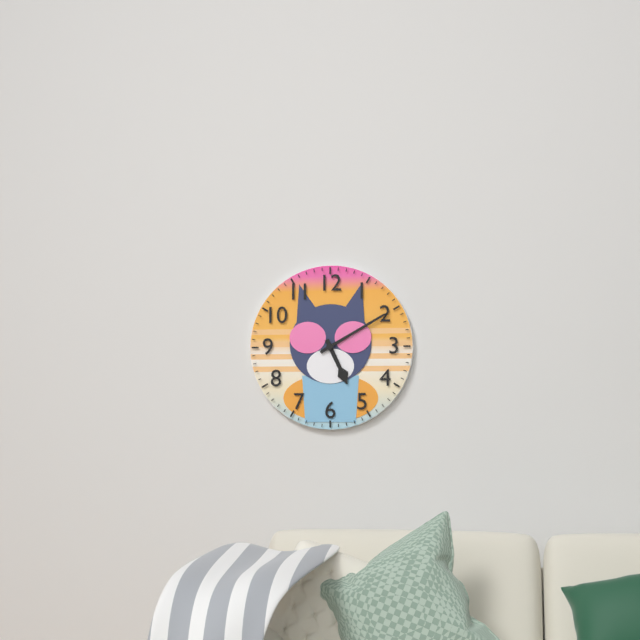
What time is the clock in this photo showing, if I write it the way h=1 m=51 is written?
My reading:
h=5 m=10
